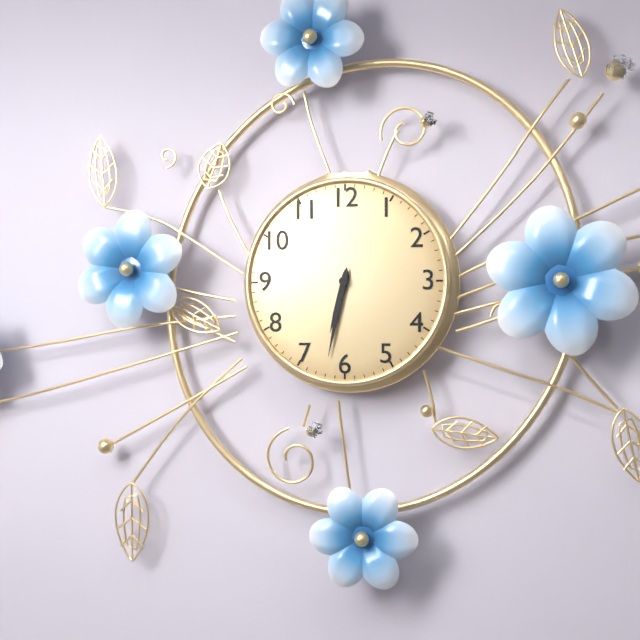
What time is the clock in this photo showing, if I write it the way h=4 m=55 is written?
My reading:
h=6 m=32
